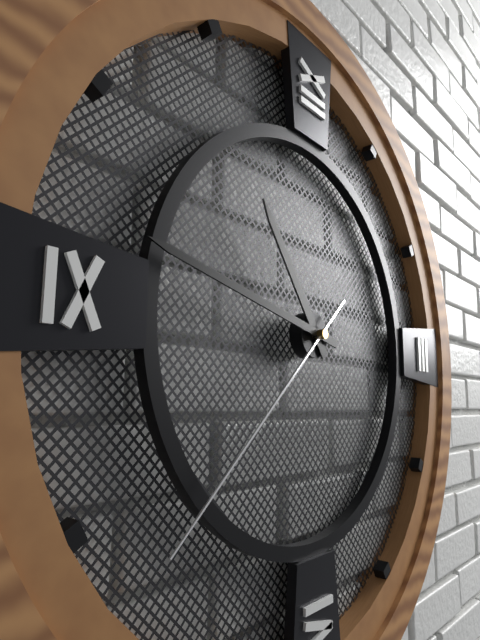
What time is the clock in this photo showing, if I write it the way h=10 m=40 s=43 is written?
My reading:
h=10 m=47 s=38
